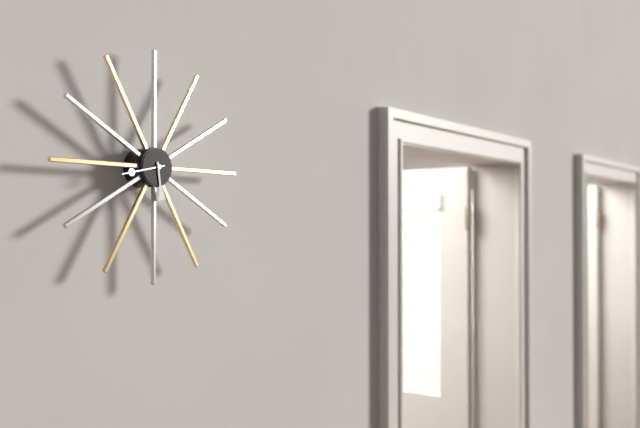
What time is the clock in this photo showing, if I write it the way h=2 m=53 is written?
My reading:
h=5 m=43
